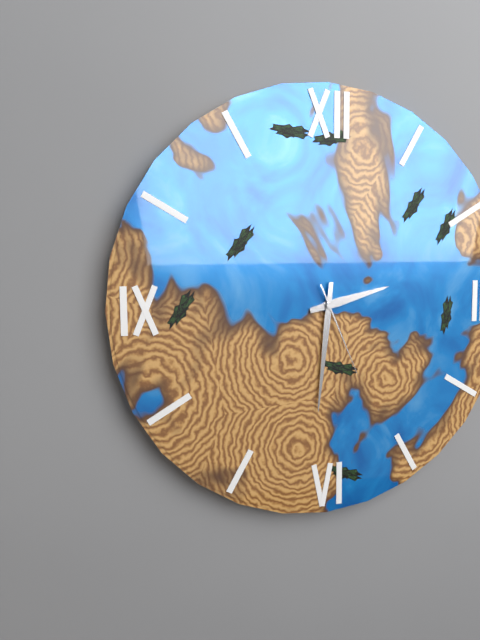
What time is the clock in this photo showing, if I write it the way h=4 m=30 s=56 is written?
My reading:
h=2 m=31 s=26
